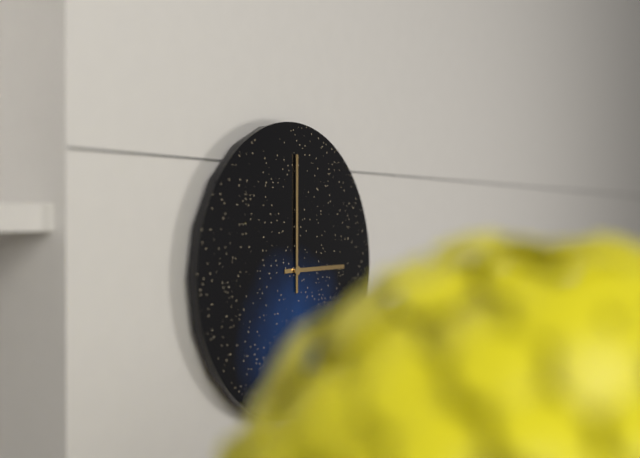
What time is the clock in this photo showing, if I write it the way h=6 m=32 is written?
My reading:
h=3 m=0
